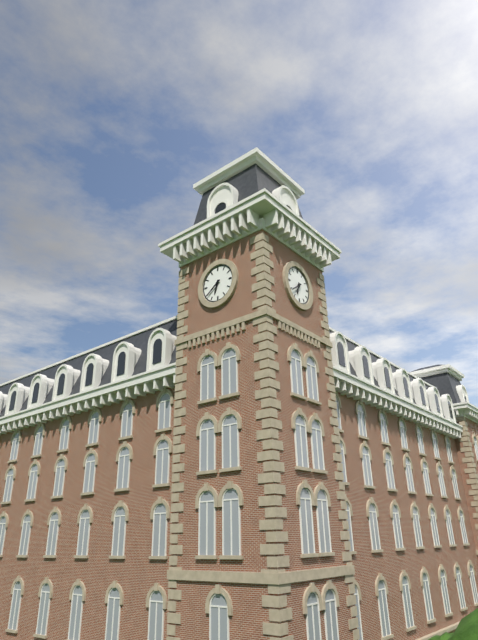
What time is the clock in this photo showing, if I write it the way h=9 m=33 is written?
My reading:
h=6 m=39
